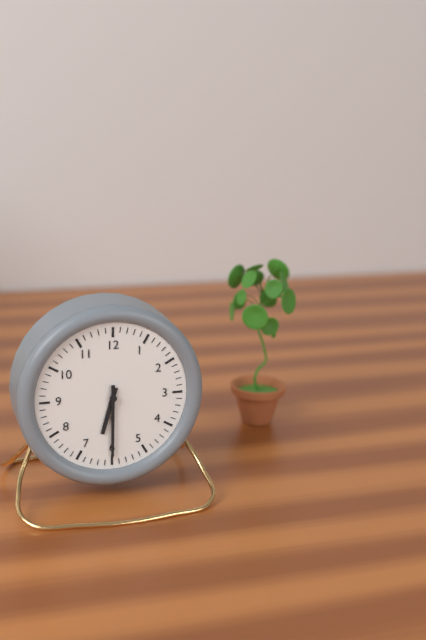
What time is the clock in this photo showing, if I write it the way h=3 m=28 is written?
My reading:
h=6 m=30
